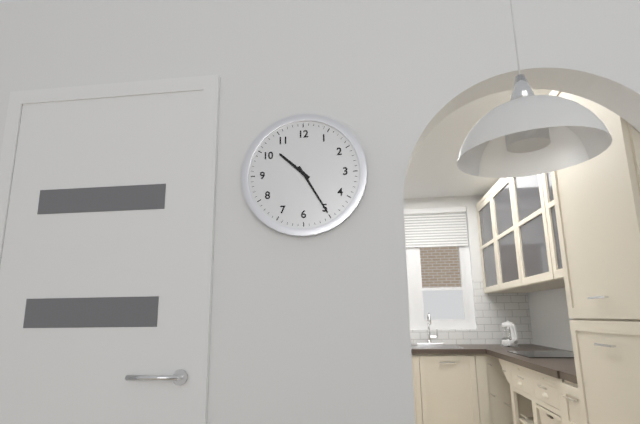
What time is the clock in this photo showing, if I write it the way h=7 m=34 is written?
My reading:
h=10 m=25
